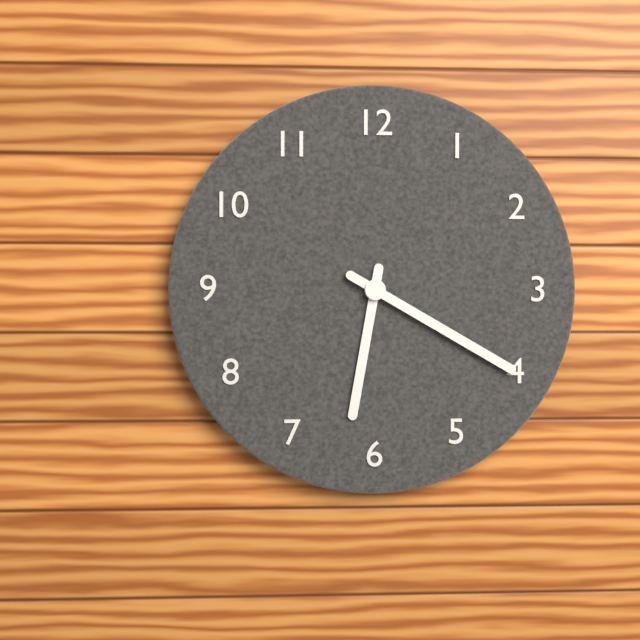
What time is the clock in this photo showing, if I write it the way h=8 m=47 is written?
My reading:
h=6 m=20
